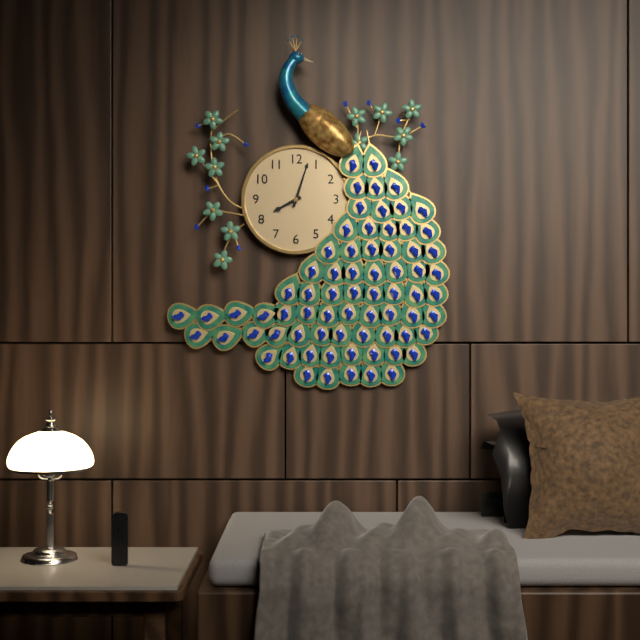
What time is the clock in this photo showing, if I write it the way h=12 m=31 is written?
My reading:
h=8 m=3
